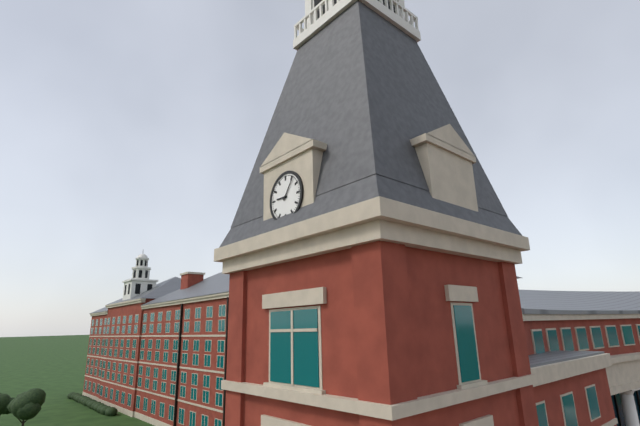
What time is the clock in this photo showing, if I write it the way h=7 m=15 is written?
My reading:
h=9 m=6
